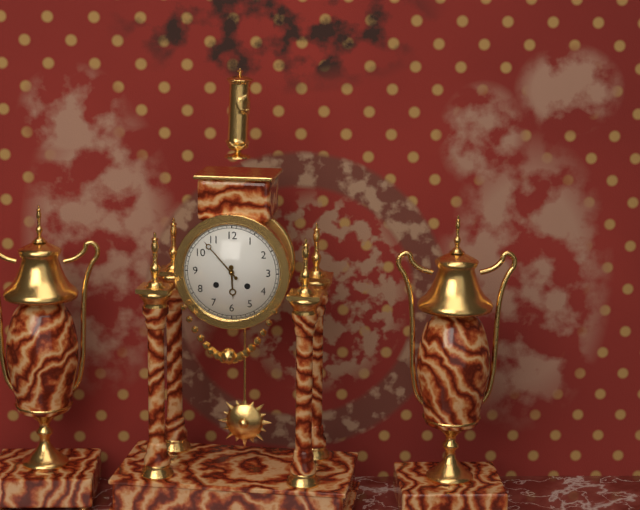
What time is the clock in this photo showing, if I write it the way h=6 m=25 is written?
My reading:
h=5 m=53
